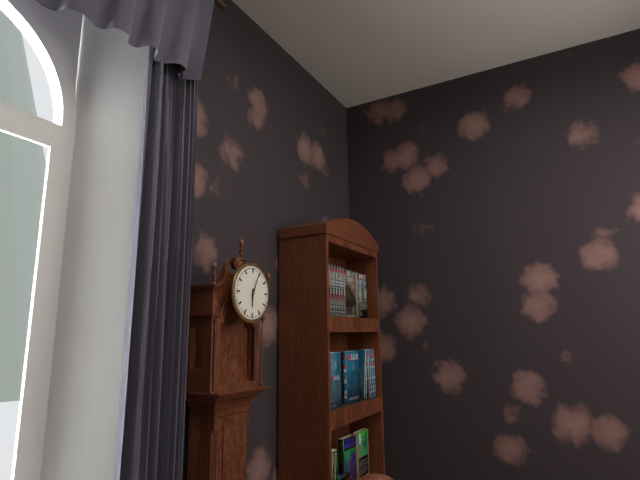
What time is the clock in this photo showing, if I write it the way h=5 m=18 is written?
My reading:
h=6 m=4
